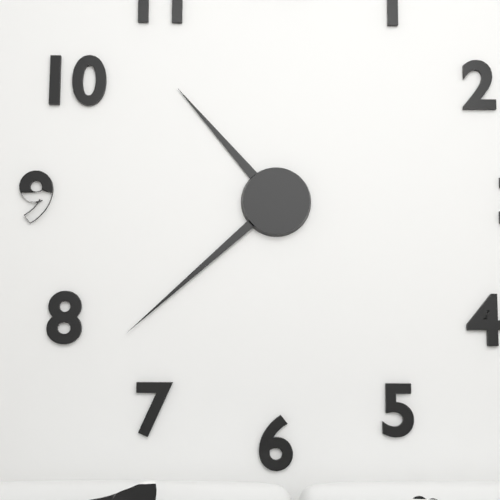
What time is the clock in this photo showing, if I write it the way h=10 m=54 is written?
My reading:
h=10 m=38
